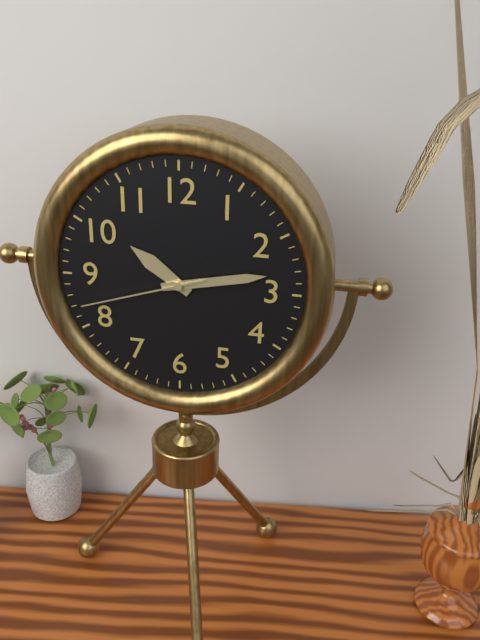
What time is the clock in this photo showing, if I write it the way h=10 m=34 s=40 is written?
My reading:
h=10 m=13 s=42
